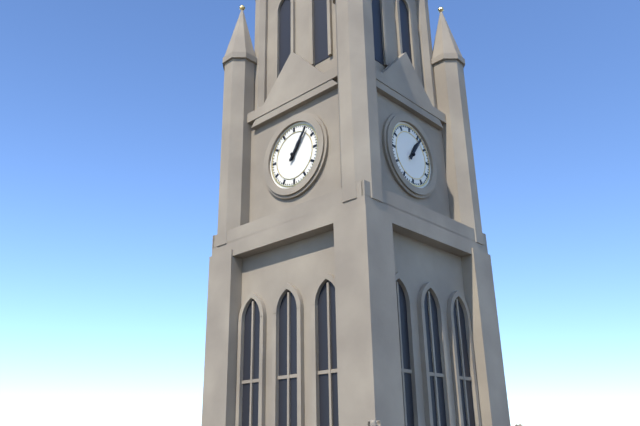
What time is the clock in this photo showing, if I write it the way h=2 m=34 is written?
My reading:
h=1 m=6
